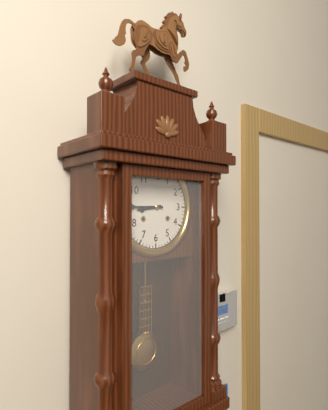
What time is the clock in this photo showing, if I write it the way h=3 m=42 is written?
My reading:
h=8 m=45
